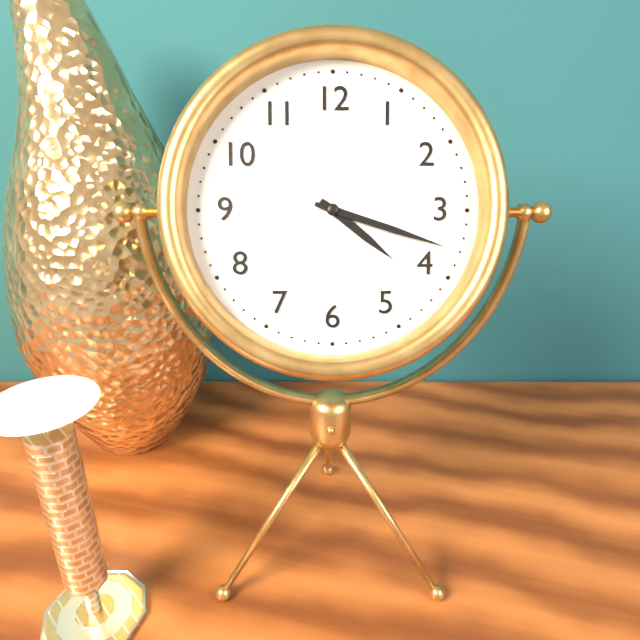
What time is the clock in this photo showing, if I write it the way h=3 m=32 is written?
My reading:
h=4 m=18
